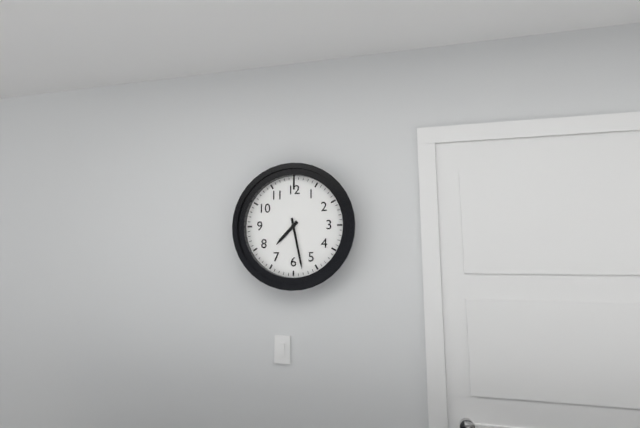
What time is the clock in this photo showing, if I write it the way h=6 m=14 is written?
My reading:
h=7 m=28
